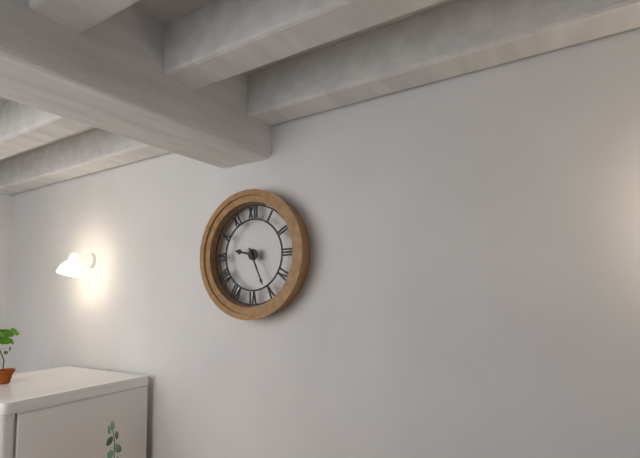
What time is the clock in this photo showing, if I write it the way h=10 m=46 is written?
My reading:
h=9 m=26
